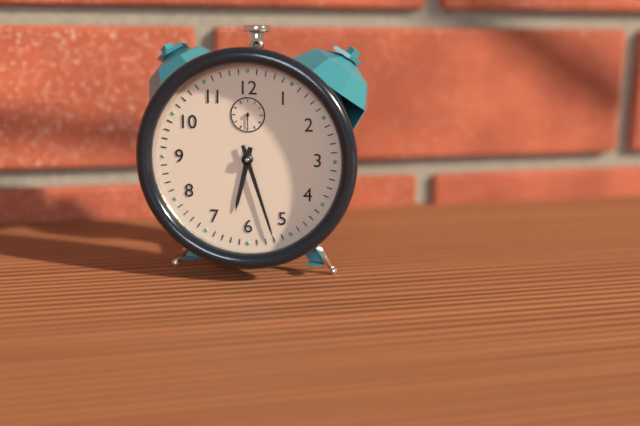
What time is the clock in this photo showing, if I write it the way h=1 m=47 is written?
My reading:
h=6 m=27
